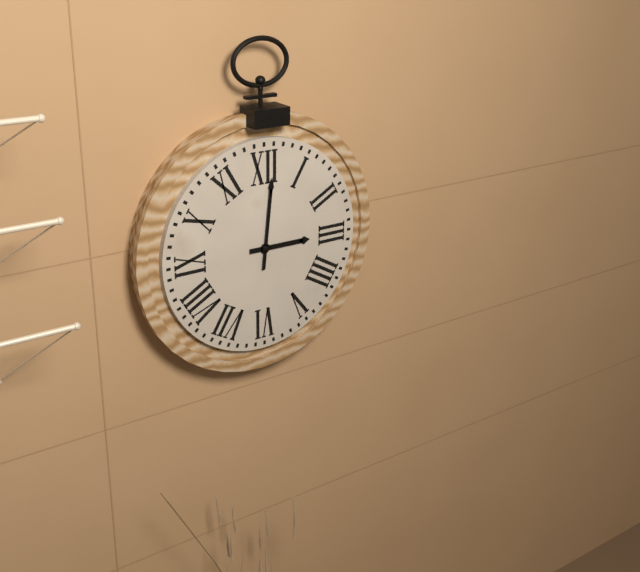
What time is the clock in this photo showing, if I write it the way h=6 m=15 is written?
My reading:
h=3 m=1
